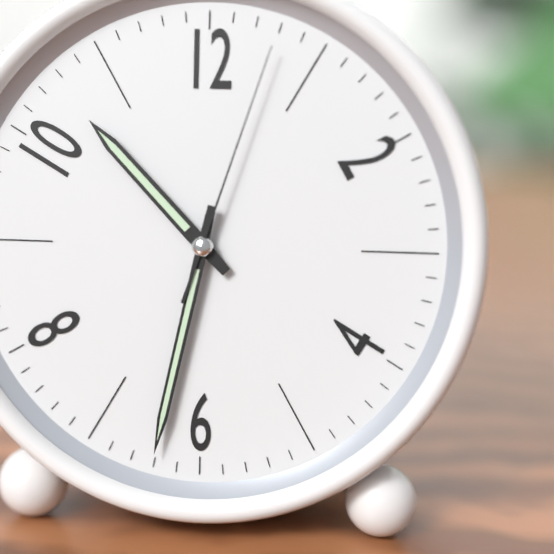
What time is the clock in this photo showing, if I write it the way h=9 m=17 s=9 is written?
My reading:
h=10 m=32 s=3
